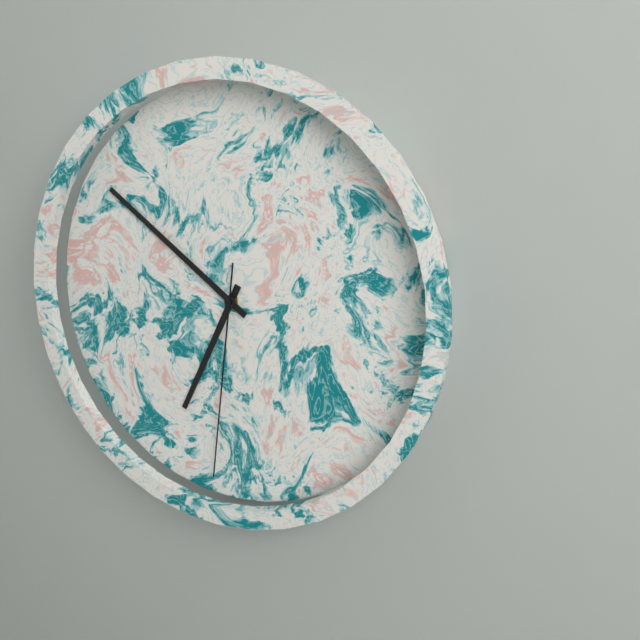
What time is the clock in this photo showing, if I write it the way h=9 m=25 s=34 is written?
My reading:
h=6 m=51 s=31
